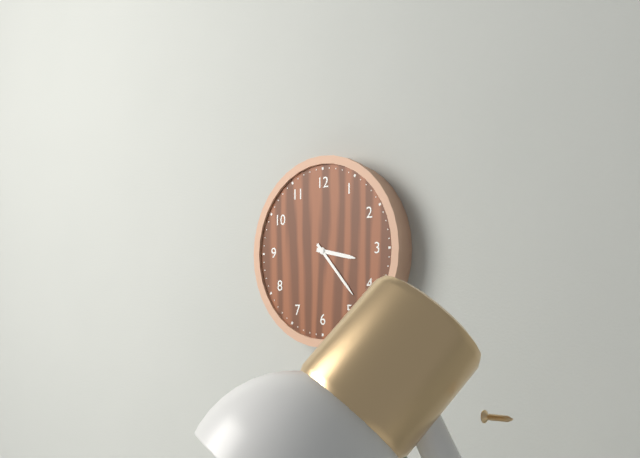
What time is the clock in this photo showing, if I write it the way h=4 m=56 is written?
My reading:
h=3 m=23
